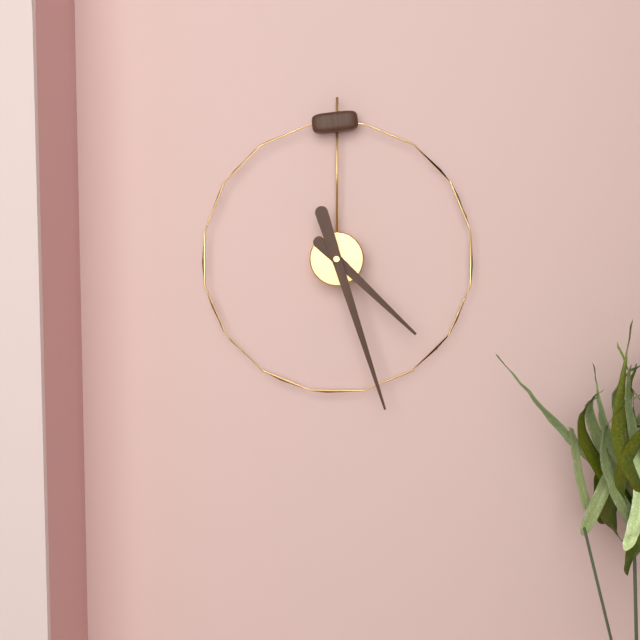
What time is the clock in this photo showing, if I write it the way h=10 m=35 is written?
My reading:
h=4 m=27
